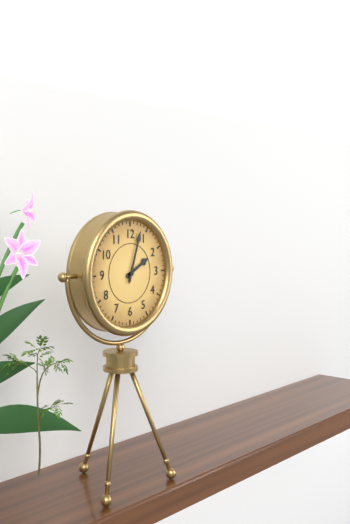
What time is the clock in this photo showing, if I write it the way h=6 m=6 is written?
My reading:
h=2 m=3
